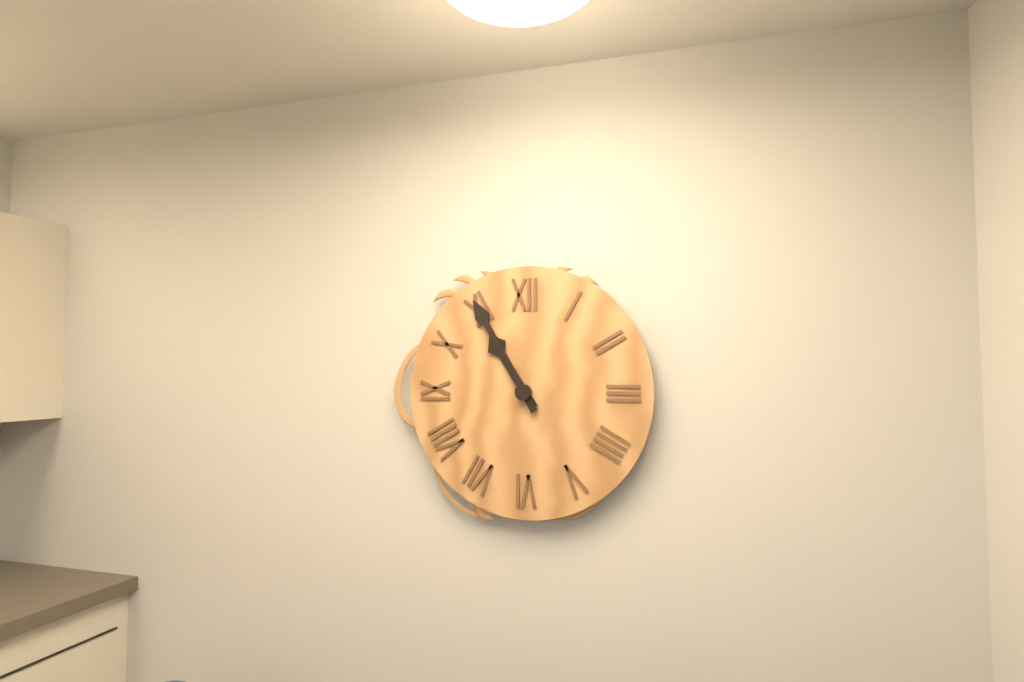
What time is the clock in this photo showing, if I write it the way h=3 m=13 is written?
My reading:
h=10 m=55
